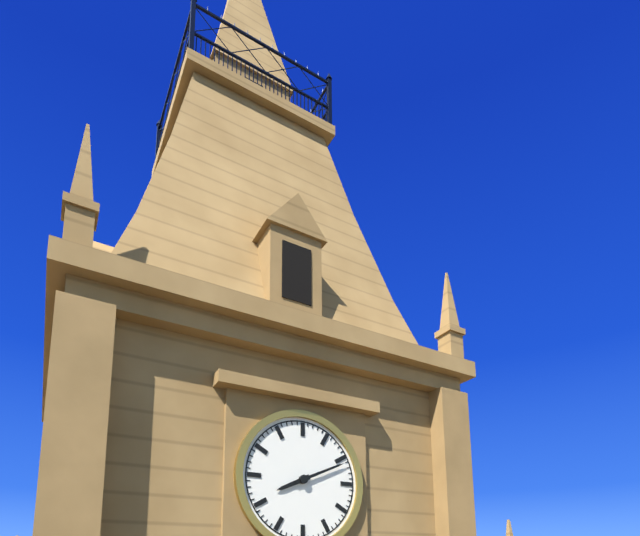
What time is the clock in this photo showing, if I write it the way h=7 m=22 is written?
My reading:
h=8 m=11
